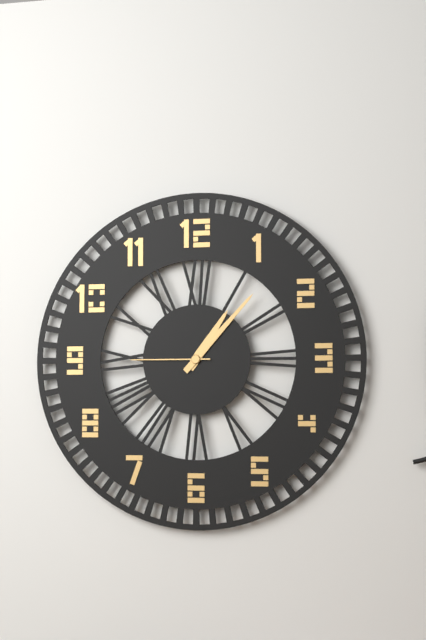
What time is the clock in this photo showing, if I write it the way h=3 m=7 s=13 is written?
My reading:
h=1 m=7 s=45
